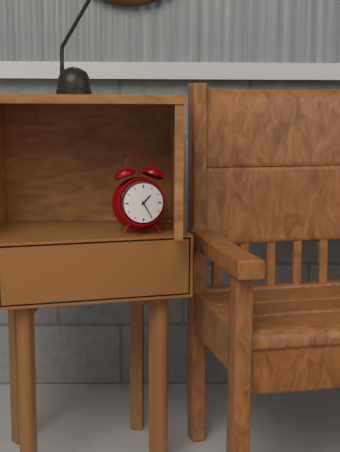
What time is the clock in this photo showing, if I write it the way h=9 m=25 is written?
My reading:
h=1 m=25
